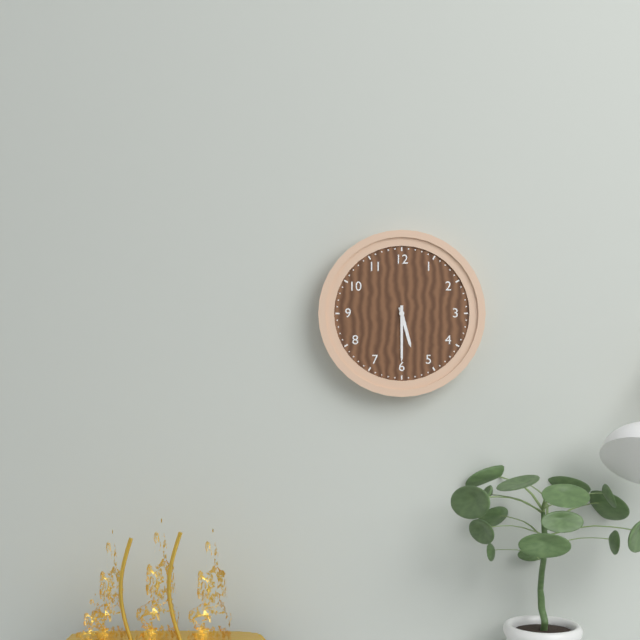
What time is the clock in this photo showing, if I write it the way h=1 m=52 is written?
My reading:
h=5 m=30
